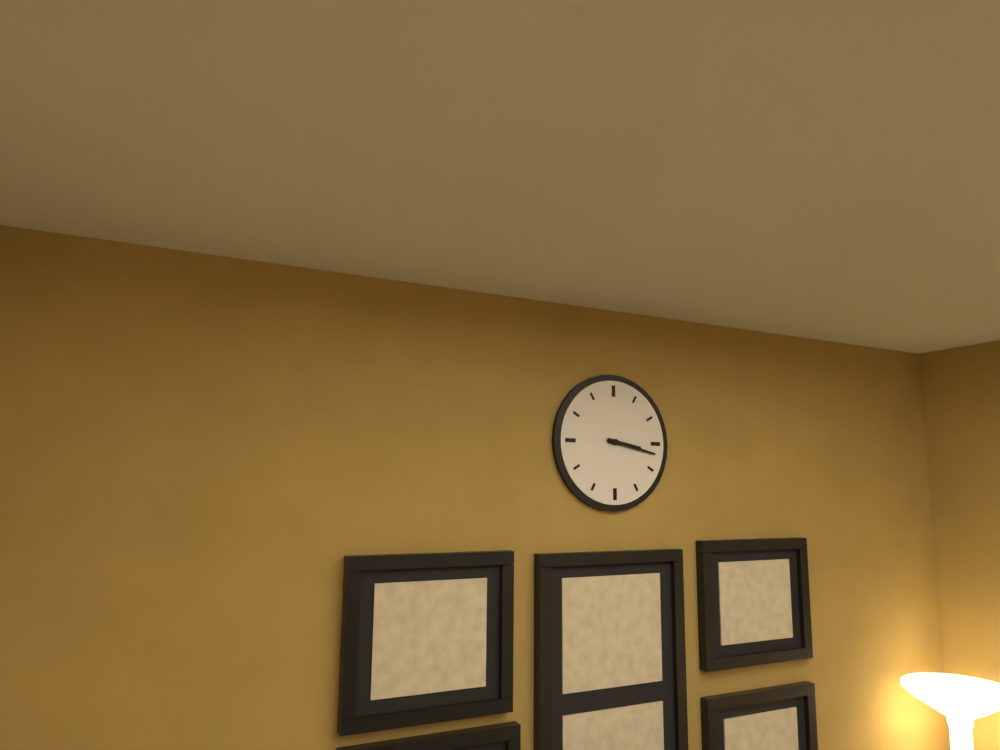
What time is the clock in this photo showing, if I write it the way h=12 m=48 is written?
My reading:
h=3 m=17
